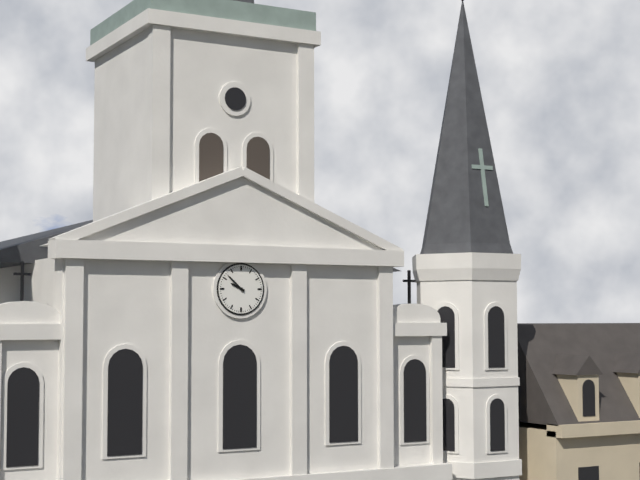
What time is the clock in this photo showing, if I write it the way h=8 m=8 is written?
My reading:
h=9 m=52
